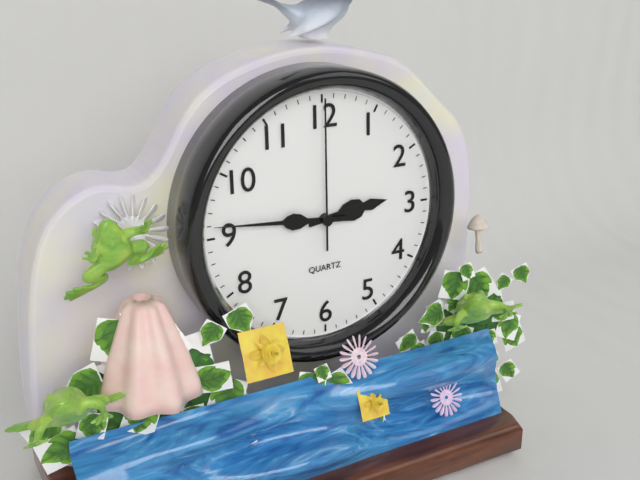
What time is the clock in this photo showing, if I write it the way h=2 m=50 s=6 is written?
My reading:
h=2 m=46 s=0
